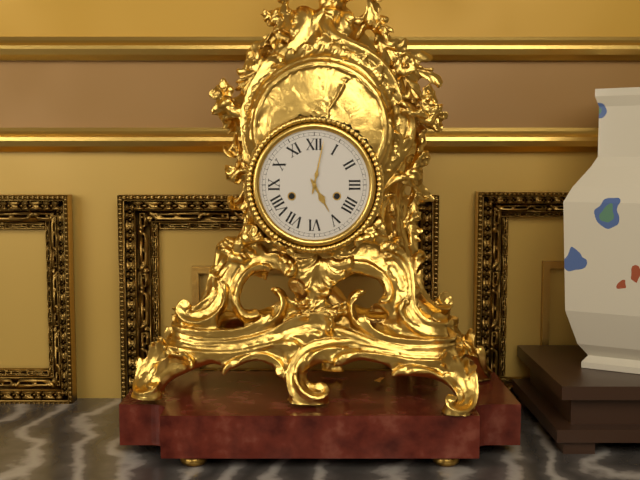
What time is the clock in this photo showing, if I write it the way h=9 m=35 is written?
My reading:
h=5 m=2
